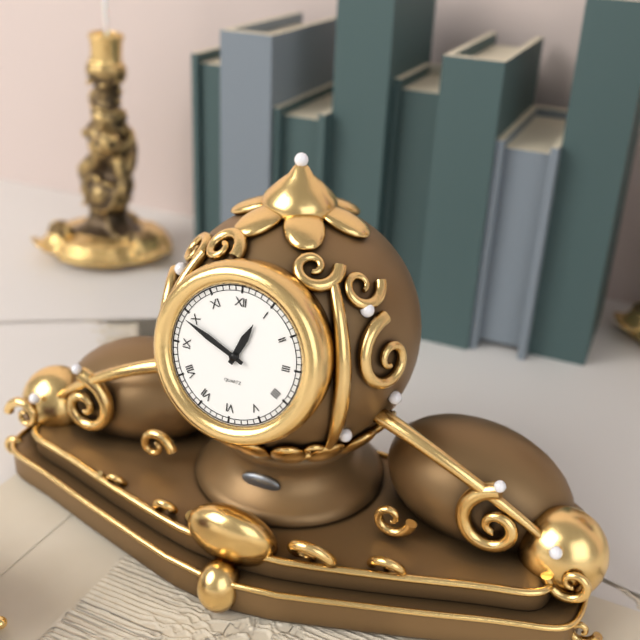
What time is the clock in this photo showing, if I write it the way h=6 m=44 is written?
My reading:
h=12 m=49
